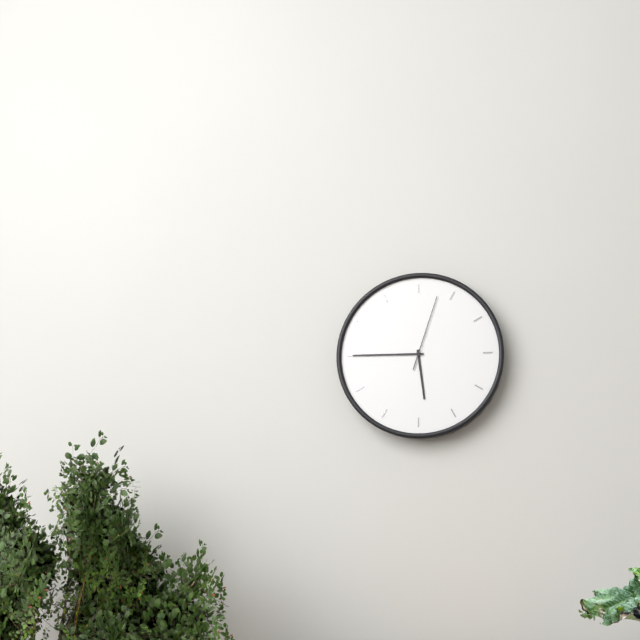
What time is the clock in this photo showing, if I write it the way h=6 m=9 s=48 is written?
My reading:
h=5 m=45 s=3
